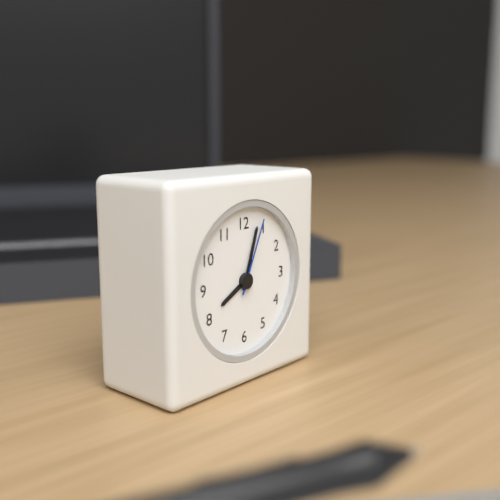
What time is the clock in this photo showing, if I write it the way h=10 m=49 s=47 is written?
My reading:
h=8 m=3 s=4
